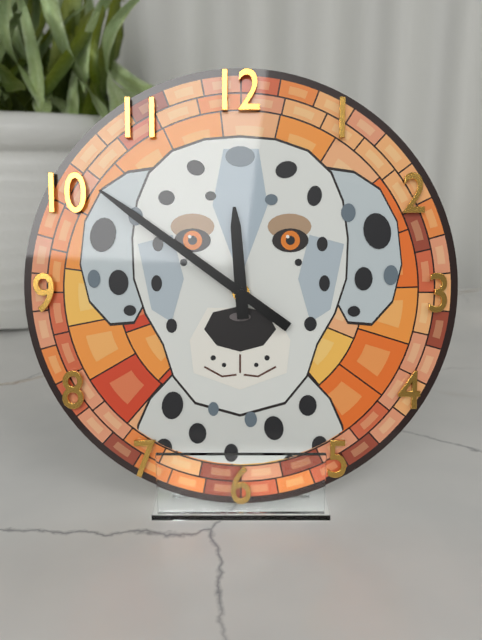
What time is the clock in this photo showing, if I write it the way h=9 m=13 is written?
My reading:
h=11 m=51
